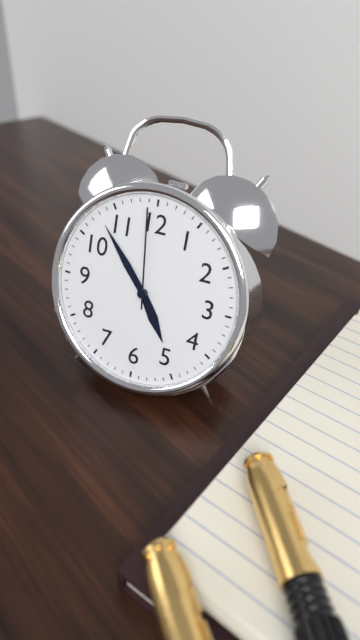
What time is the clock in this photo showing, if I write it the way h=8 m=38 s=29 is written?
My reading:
h=4 m=53 s=59
